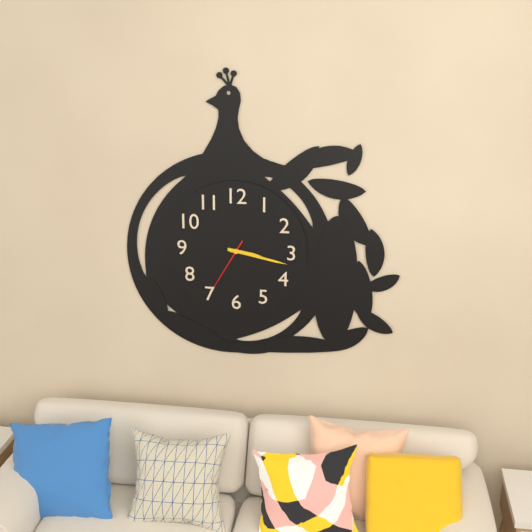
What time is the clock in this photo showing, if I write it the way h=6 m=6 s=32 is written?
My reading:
h=3 m=17 s=35
